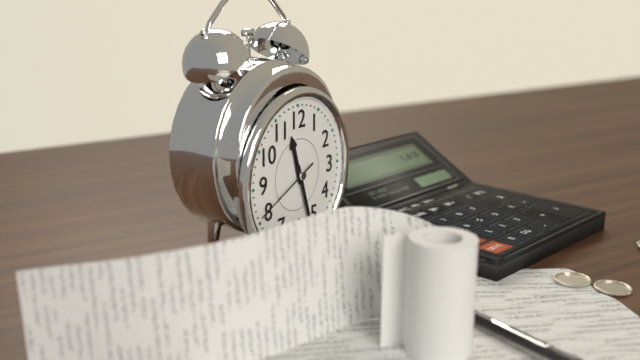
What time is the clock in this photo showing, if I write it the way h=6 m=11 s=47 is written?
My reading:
h=11 m=27 s=41
